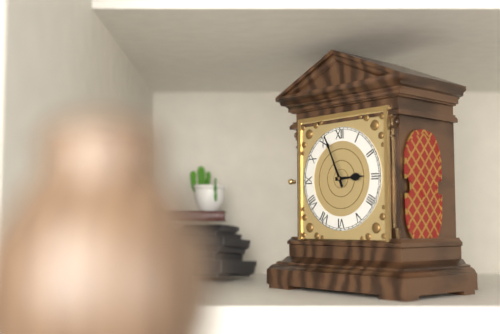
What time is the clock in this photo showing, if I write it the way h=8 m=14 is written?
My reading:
h=2 m=56
